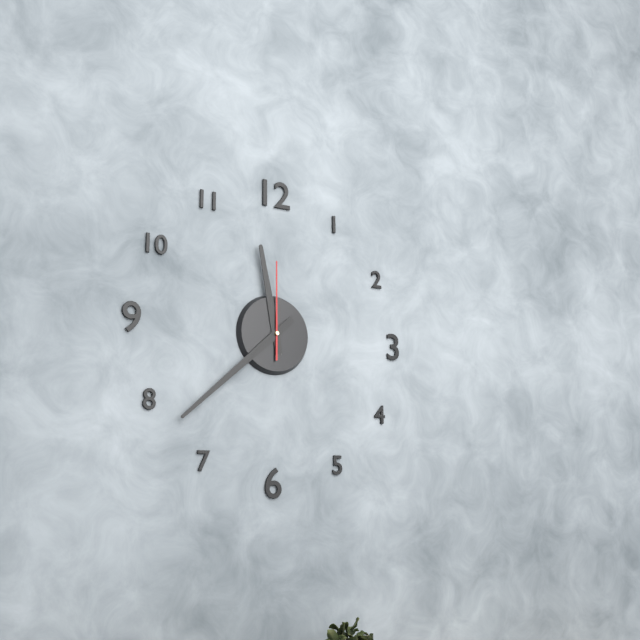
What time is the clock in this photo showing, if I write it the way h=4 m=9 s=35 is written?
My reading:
h=11 m=38 s=0
